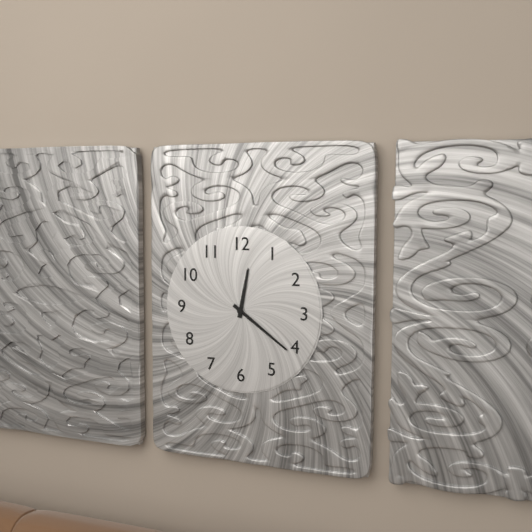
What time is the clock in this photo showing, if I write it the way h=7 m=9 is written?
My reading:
h=12 m=21
